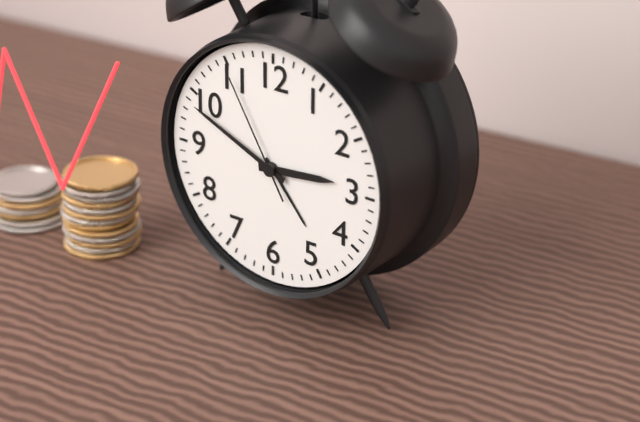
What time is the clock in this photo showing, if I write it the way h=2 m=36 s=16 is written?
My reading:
h=2 m=49 s=55
